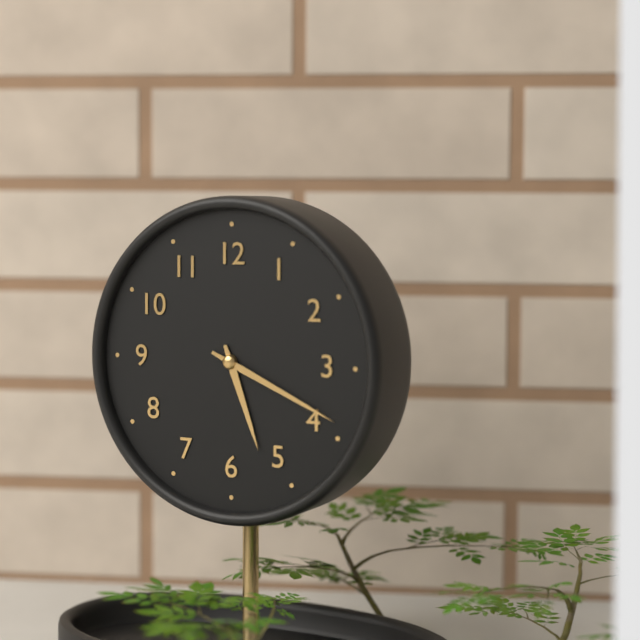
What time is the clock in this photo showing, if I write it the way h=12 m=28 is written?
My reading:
h=5 m=19
